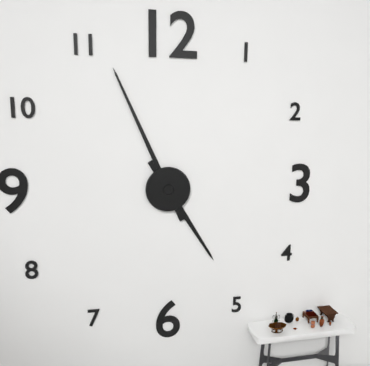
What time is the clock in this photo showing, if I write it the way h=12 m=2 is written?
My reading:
h=4 m=56
